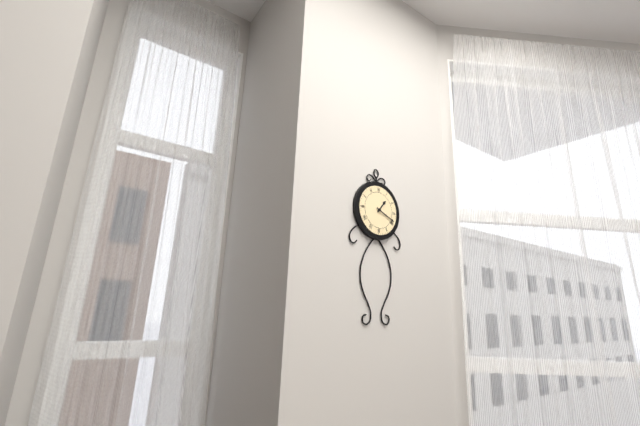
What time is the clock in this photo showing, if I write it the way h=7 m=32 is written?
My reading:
h=1 m=19
